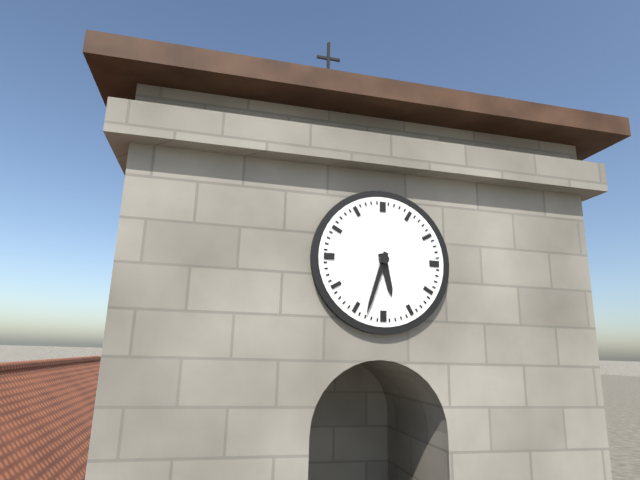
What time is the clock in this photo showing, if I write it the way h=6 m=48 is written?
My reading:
h=5 m=33
